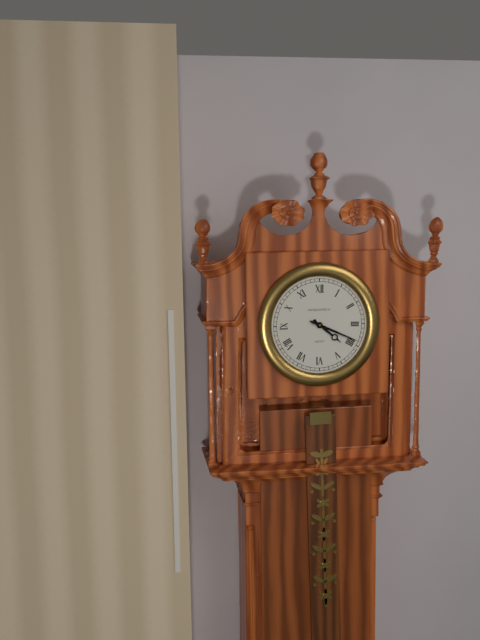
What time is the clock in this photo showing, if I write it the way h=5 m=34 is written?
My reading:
h=4 m=19
